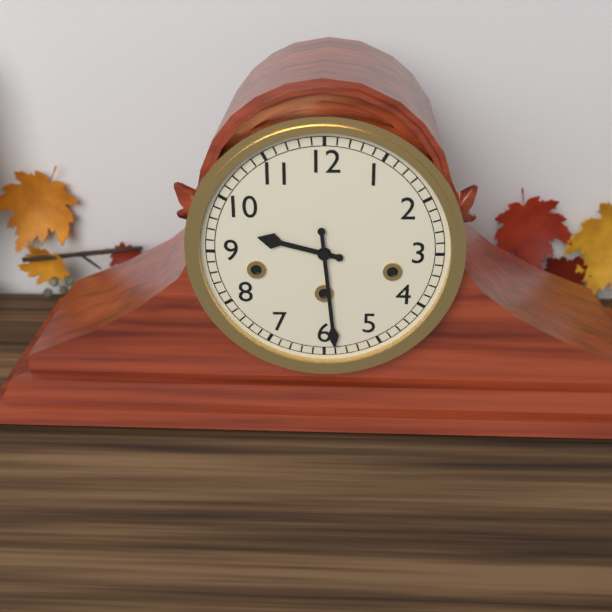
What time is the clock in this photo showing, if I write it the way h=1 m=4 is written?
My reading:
h=9 m=29
